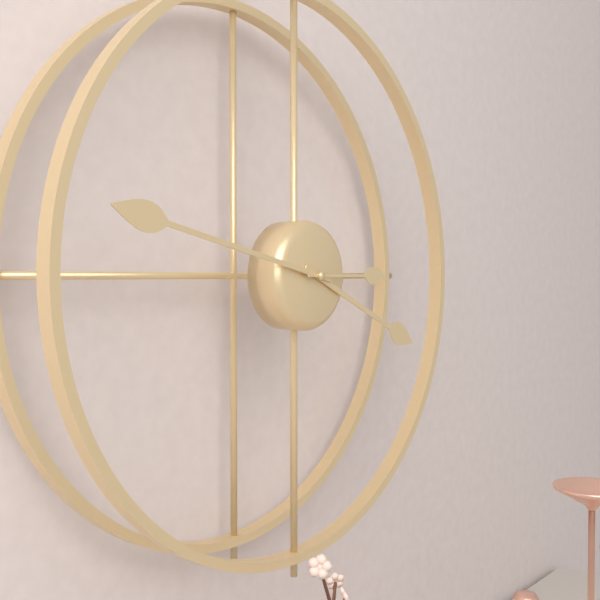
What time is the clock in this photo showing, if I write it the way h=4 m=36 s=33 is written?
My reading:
h=3 m=47 s=15
